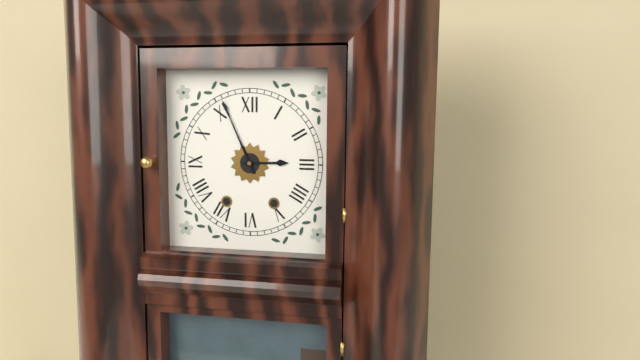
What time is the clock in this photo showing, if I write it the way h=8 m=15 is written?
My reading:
h=2 m=56
